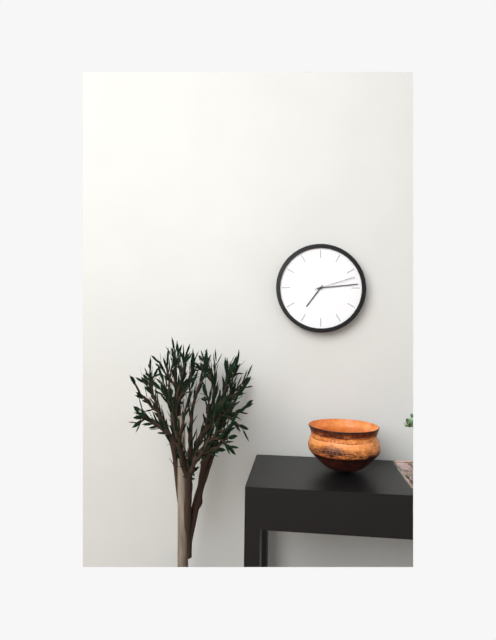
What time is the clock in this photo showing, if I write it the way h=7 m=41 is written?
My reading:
h=7 m=14
